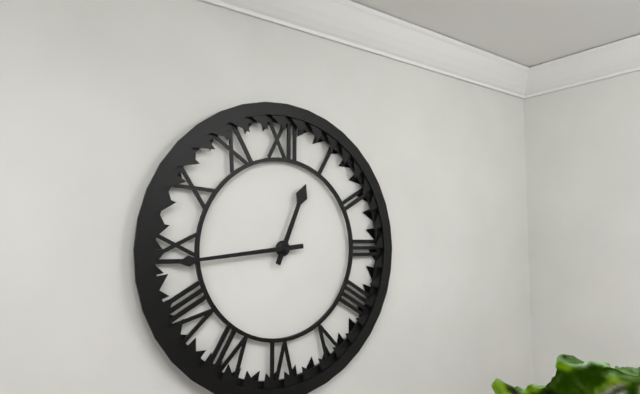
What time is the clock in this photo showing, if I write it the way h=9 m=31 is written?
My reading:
h=12 m=44
